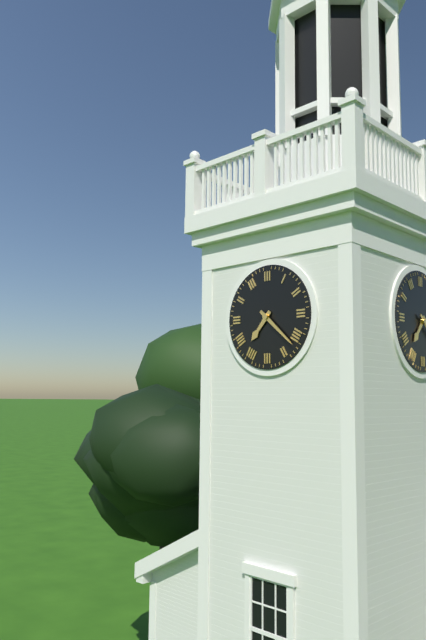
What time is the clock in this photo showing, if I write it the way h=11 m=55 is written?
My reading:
h=7 m=22
